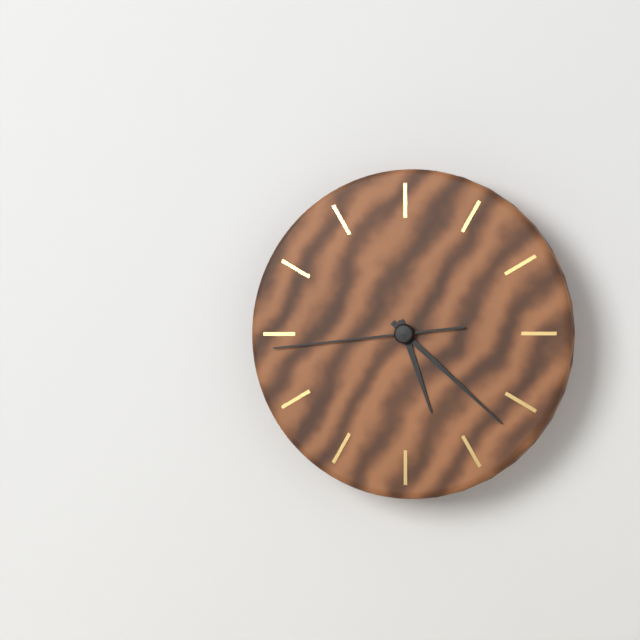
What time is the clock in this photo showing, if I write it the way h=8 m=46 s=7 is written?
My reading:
h=5 m=22 s=44
